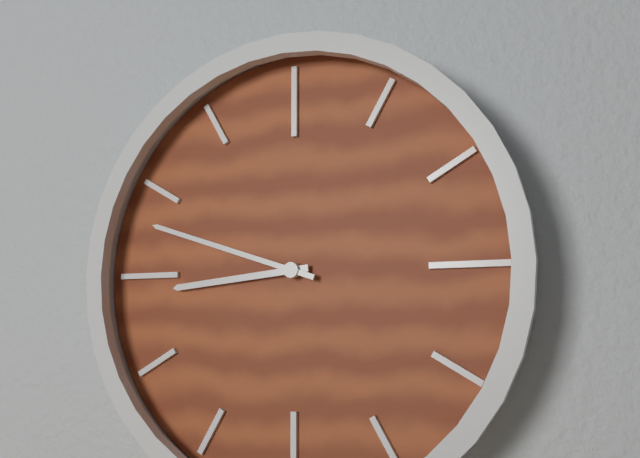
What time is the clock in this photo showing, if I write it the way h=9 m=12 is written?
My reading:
h=8 m=48
